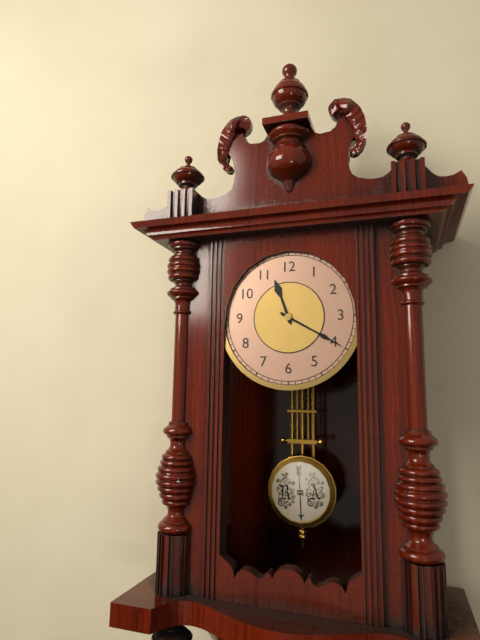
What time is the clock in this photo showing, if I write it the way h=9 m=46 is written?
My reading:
h=11 m=20
